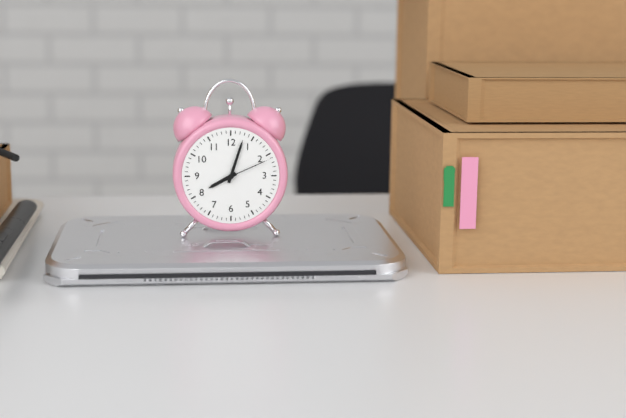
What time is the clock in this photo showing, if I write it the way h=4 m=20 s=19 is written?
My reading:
h=8 m=3 s=11
